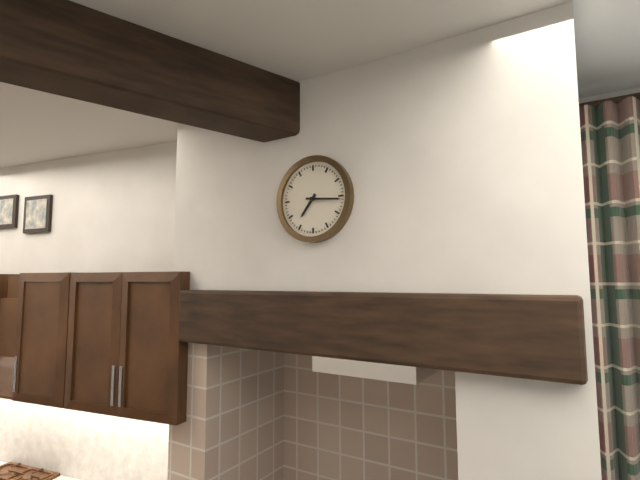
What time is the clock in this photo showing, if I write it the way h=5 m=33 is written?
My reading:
h=7 m=16
